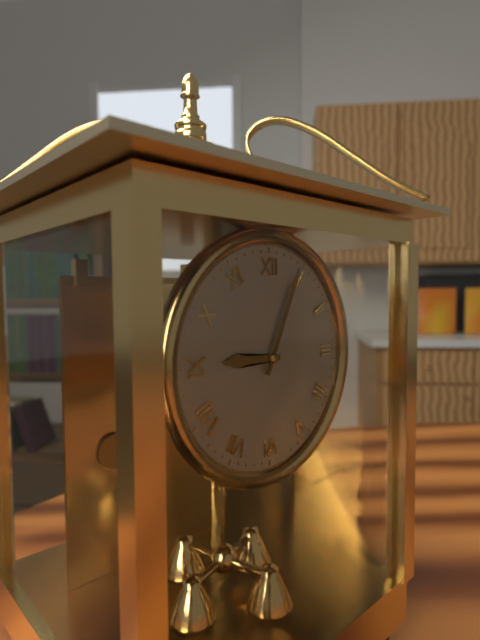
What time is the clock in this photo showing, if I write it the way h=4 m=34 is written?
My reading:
h=9 m=4
